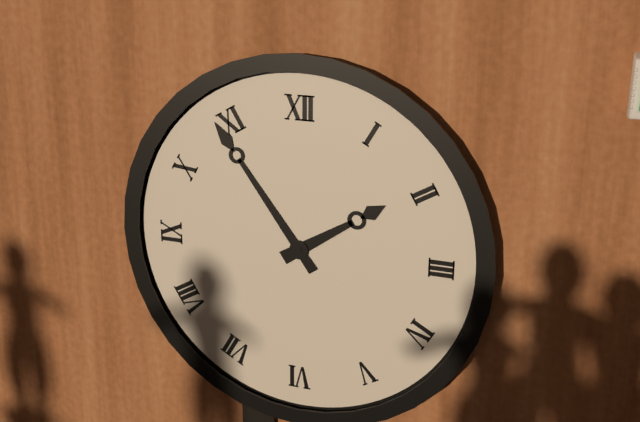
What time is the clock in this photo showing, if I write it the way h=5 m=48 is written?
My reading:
h=1 m=54
